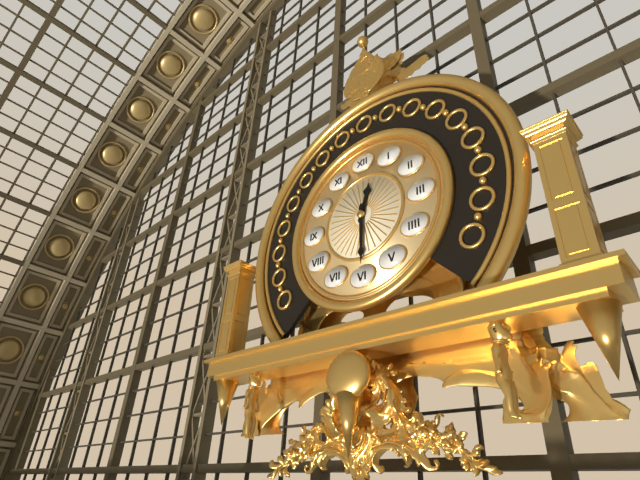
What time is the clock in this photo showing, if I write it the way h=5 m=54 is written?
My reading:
h=12 m=30
